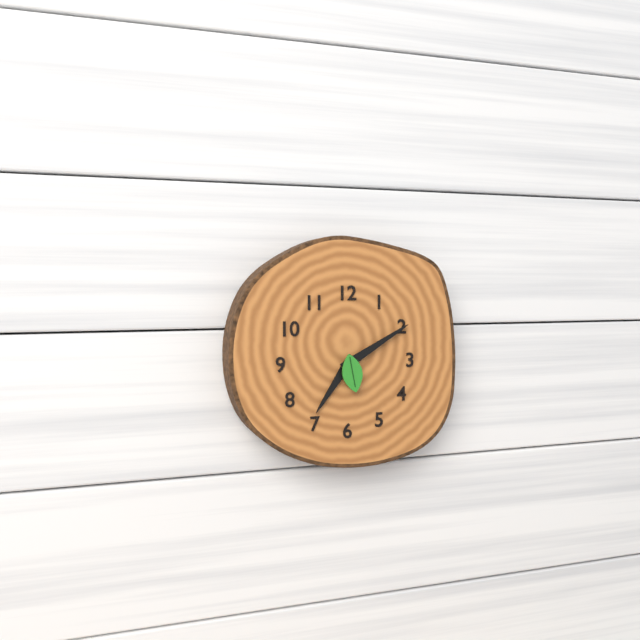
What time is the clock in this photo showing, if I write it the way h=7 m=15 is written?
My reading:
h=7 m=10
